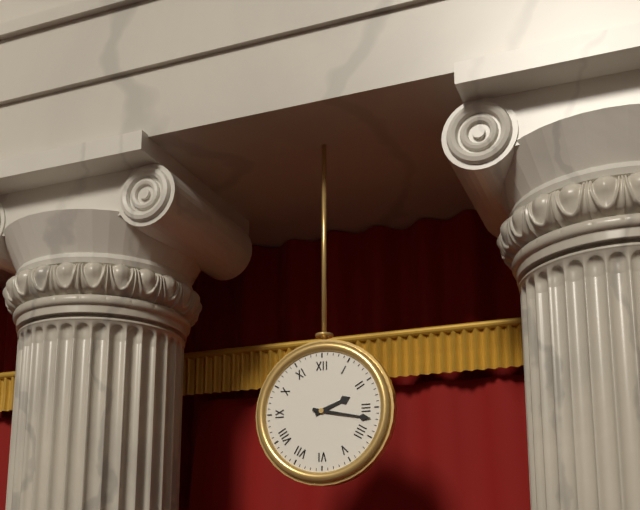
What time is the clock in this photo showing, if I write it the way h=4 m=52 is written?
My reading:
h=2 m=17
